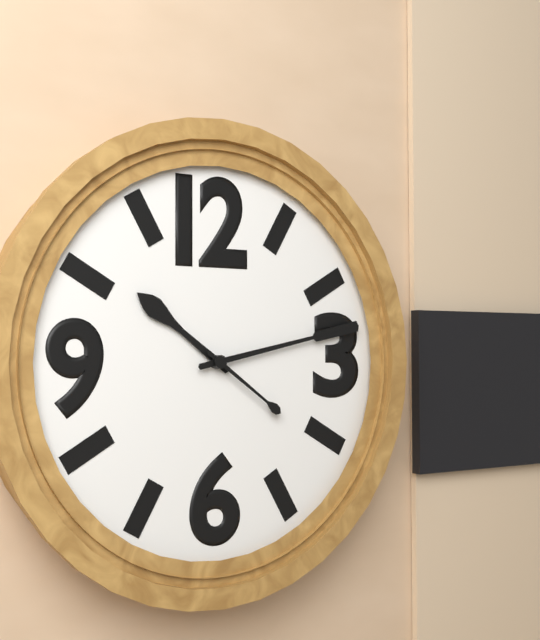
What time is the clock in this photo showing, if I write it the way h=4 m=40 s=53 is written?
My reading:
h=10 m=13 s=21
